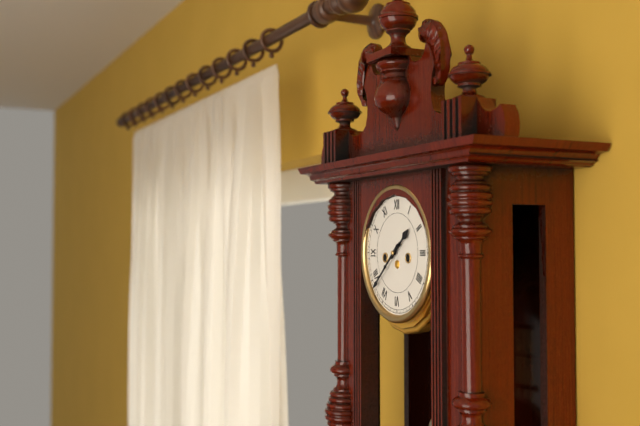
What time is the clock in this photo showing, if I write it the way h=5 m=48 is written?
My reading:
h=1 m=38
